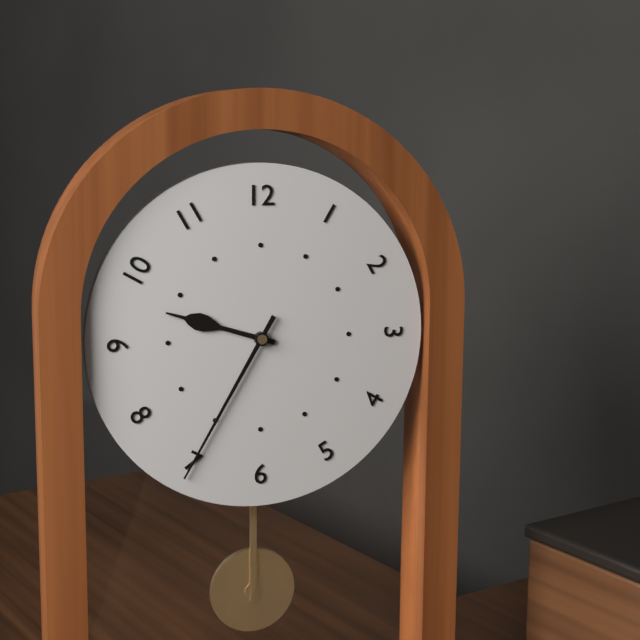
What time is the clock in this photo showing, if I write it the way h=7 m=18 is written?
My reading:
h=9 m=35
